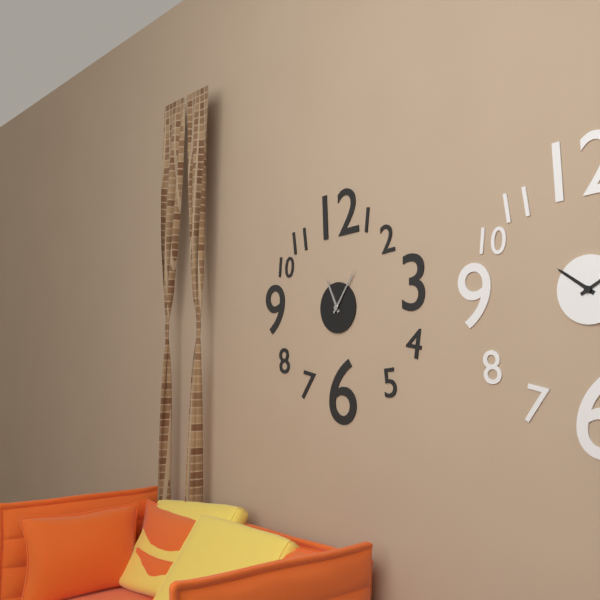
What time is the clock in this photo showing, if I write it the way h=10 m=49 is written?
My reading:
h=11 m=6
